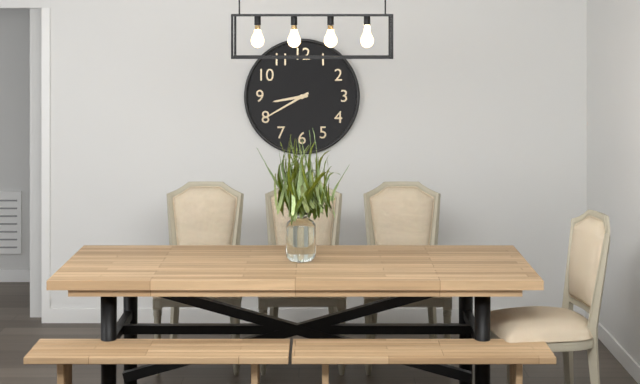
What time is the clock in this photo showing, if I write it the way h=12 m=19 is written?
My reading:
h=8 m=40
